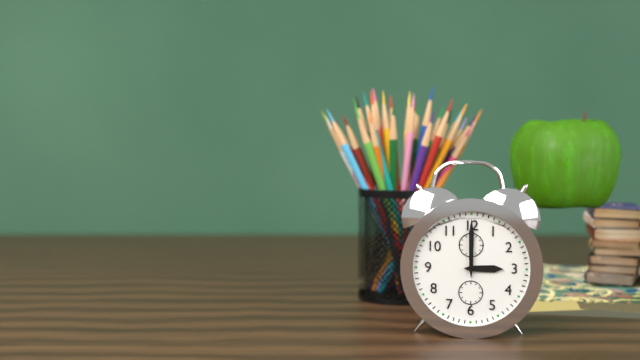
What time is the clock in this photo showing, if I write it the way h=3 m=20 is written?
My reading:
h=3 m=0
